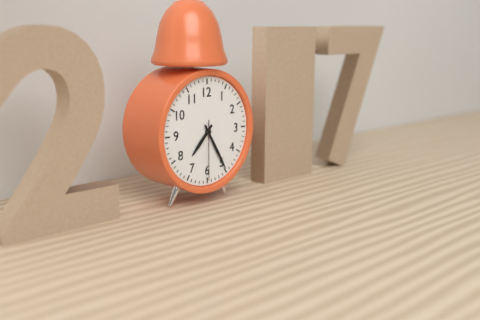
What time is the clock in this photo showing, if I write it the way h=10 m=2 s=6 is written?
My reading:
h=7 m=25 s=30
